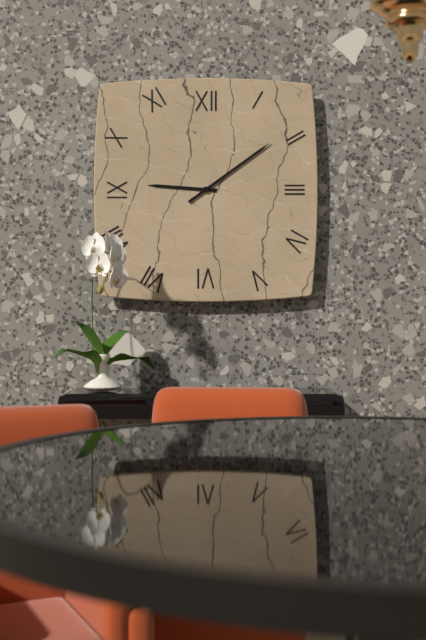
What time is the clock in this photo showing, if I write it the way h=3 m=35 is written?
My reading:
h=9 m=9
